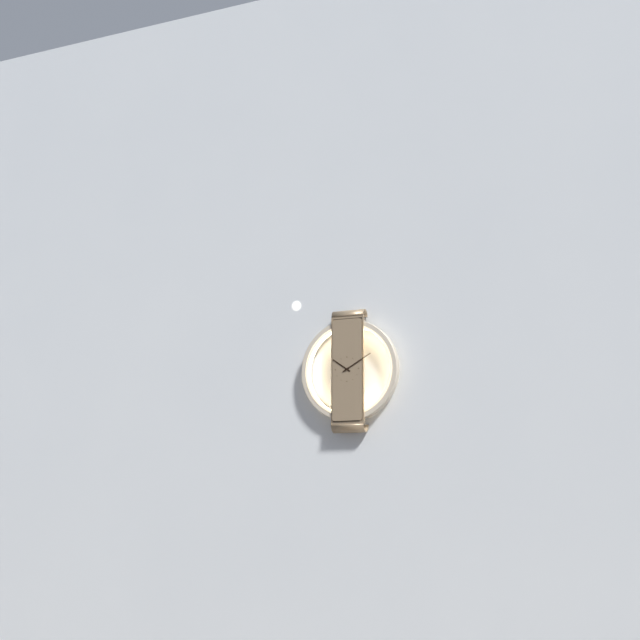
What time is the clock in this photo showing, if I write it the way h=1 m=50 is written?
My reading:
h=10 m=10
